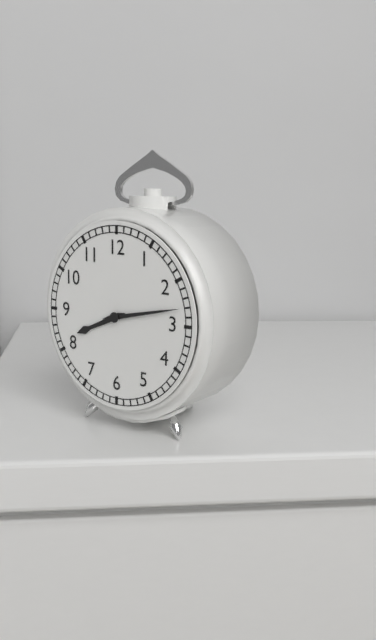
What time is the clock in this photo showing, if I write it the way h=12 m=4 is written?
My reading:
h=8 m=13
